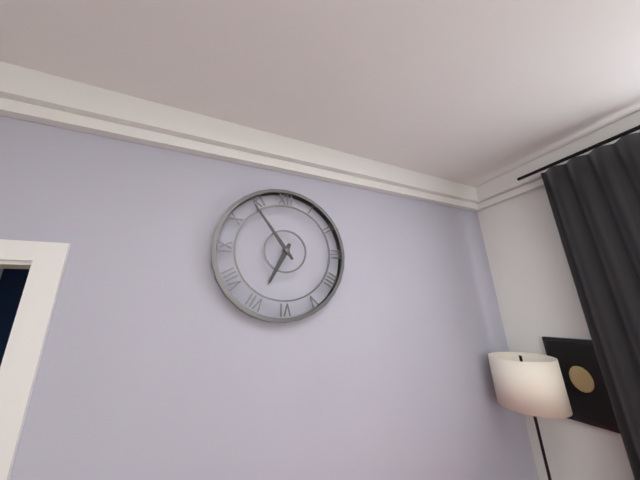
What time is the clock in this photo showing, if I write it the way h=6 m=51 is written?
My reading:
h=6 m=54
